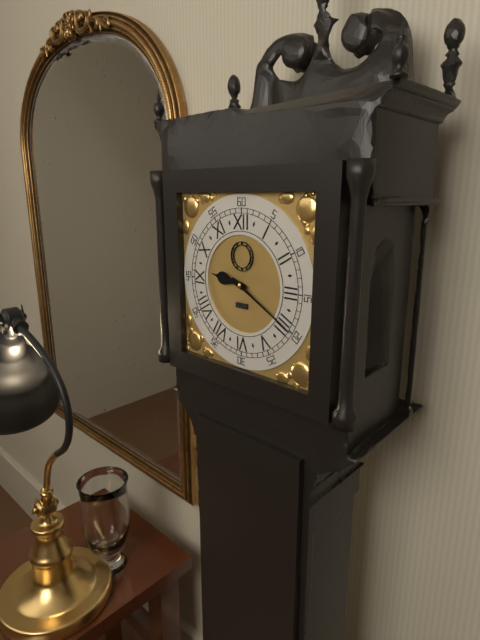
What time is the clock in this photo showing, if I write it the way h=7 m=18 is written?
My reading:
h=9 m=20
